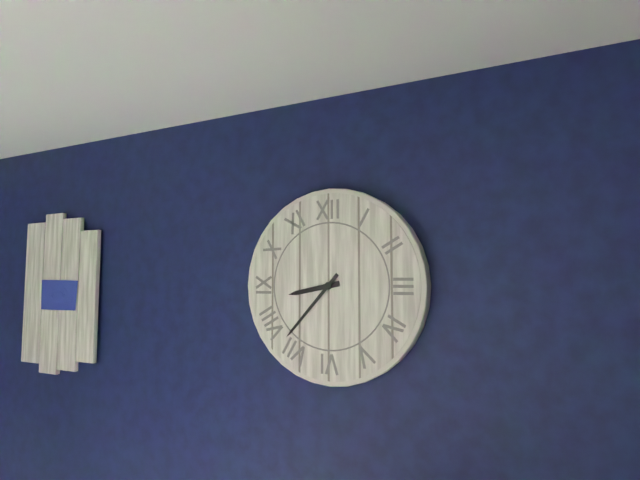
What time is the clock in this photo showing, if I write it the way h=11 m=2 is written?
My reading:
h=8 m=37
